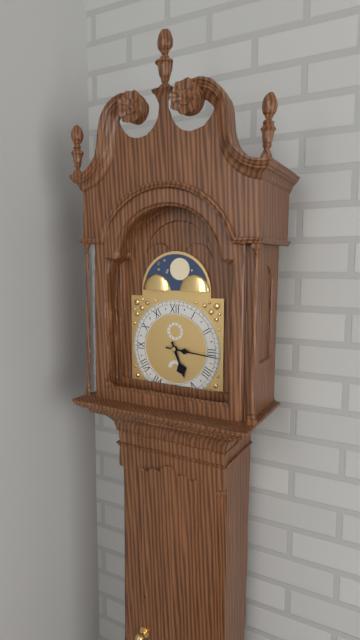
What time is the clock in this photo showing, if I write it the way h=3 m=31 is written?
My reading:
h=5 m=16
